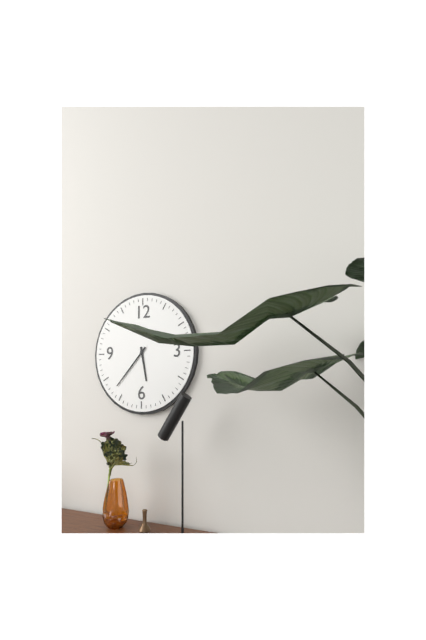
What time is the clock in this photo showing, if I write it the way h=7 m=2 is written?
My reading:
h=5 m=37
